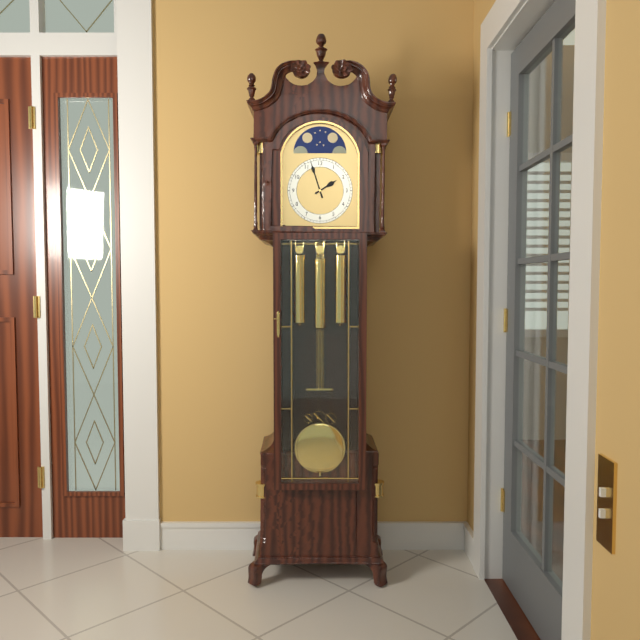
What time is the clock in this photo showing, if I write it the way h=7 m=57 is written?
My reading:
h=1 m=57
